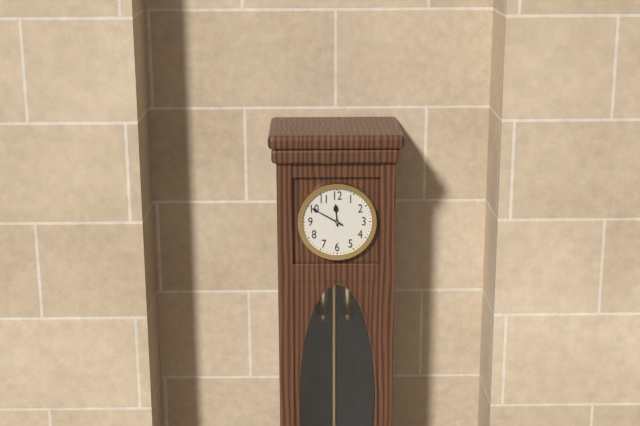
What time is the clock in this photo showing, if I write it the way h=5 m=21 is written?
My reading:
h=11 m=50
